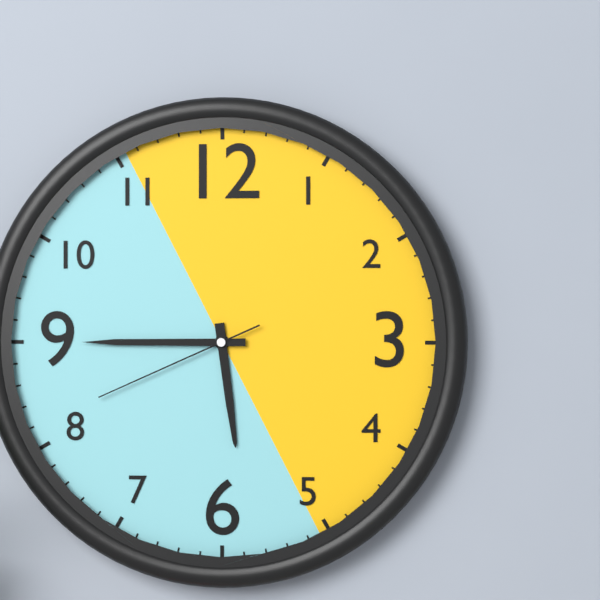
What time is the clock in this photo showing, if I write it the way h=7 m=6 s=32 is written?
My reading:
h=5 m=45 s=41
